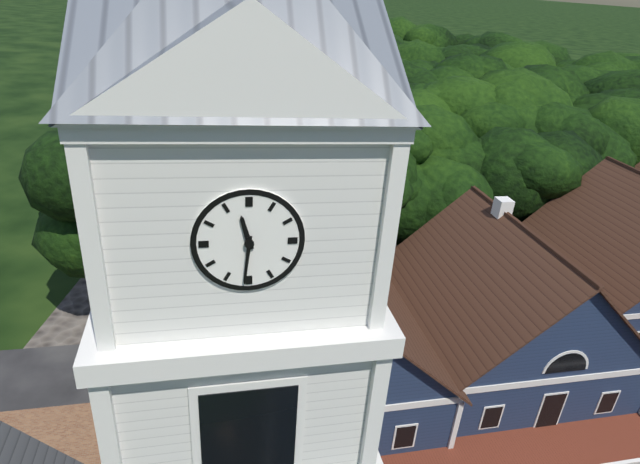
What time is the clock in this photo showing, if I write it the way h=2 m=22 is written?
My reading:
h=11 m=31
